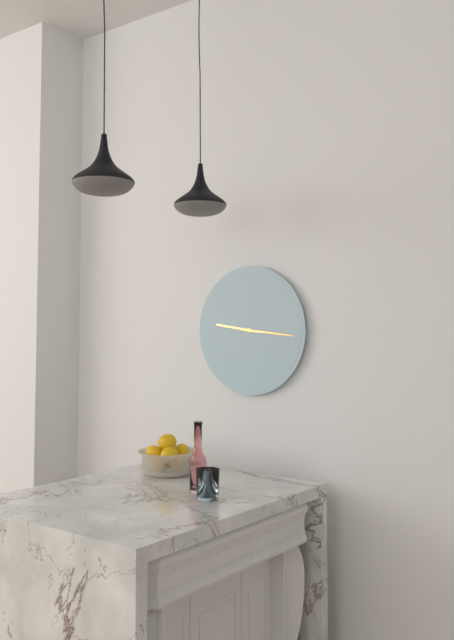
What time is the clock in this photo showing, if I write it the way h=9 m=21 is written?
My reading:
h=9 m=16
